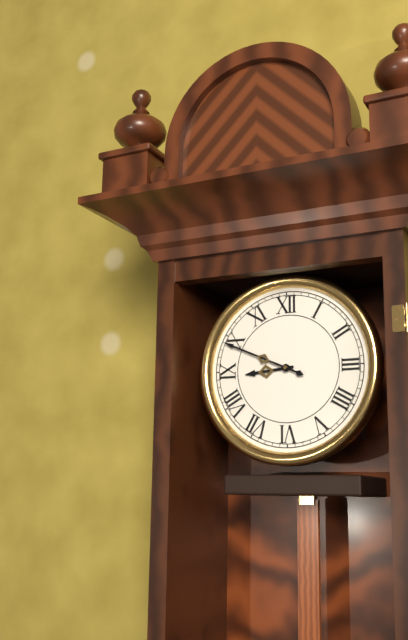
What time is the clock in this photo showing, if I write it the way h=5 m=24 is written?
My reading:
h=8 m=49
